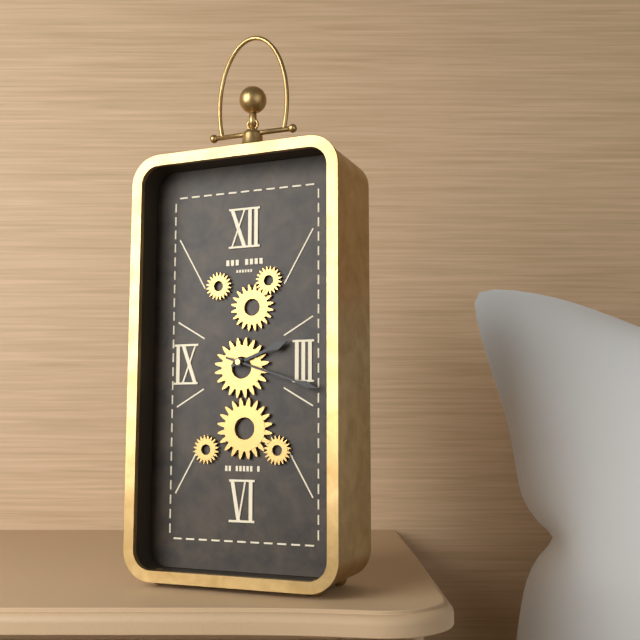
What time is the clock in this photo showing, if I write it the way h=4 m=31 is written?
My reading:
h=2 m=18
